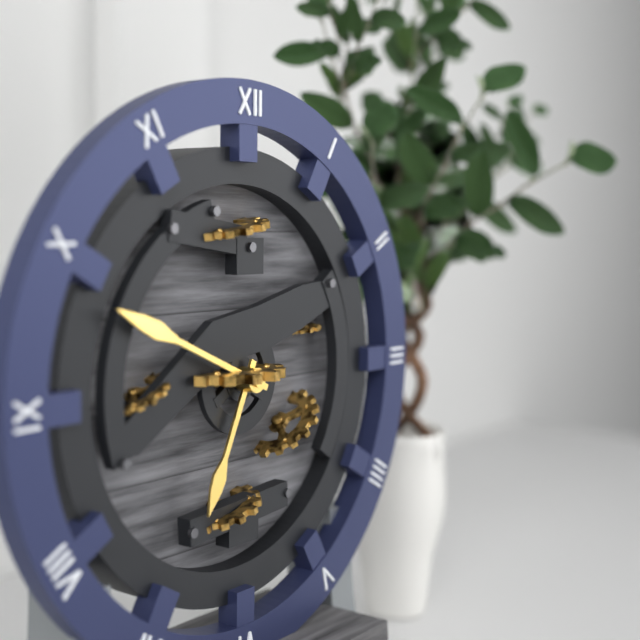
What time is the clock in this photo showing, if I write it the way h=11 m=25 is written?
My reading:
h=6 m=49
